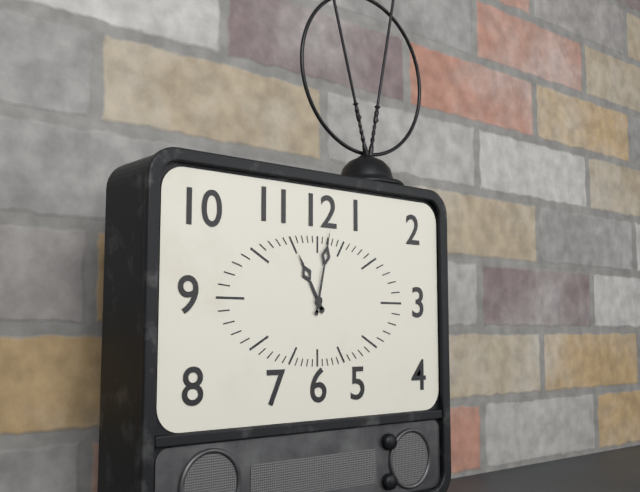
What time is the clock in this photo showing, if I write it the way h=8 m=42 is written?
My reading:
h=11 m=2
